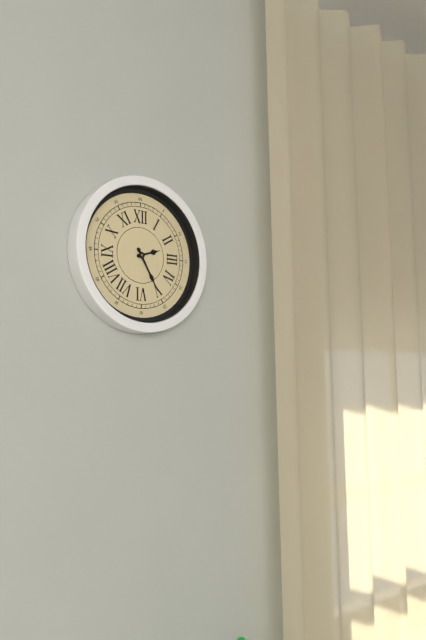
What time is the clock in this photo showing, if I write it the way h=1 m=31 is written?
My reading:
h=2 m=25
